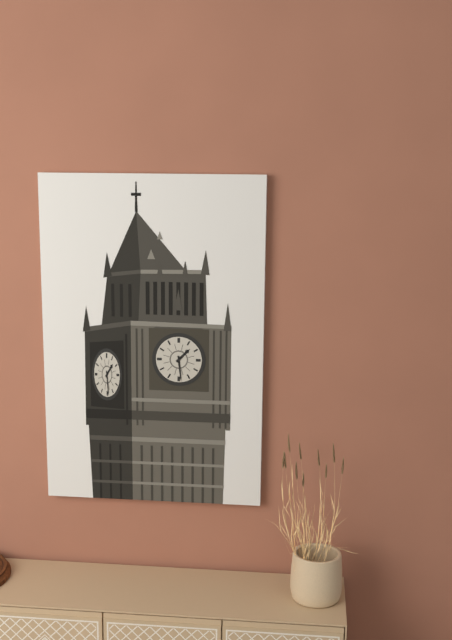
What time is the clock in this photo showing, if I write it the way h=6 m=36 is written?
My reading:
h=1 m=29
